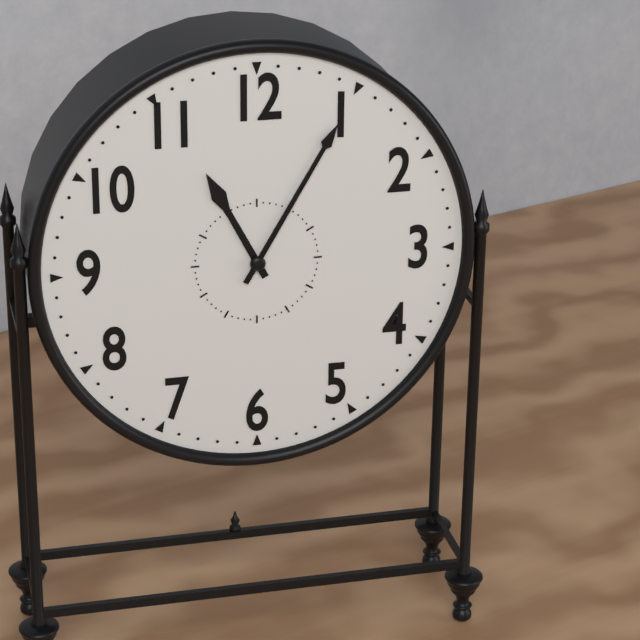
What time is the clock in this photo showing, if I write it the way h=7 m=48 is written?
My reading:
h=11 m=5
